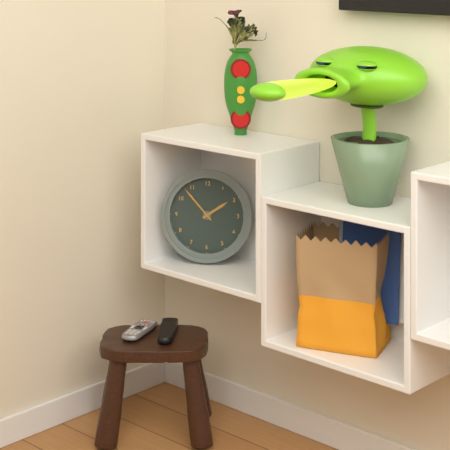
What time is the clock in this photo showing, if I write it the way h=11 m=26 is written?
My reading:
h=1 m=53
